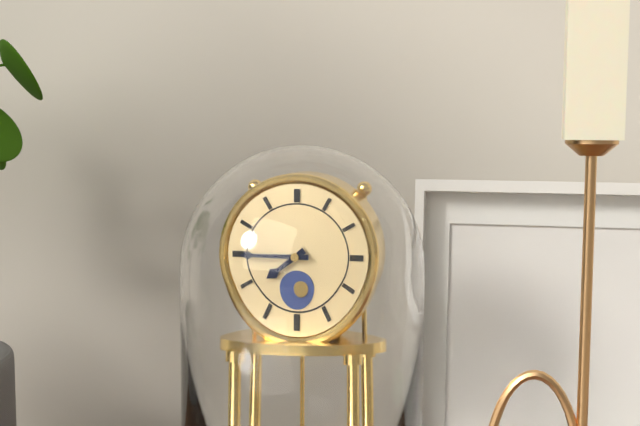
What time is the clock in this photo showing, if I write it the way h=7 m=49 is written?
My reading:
h=7 m=45
